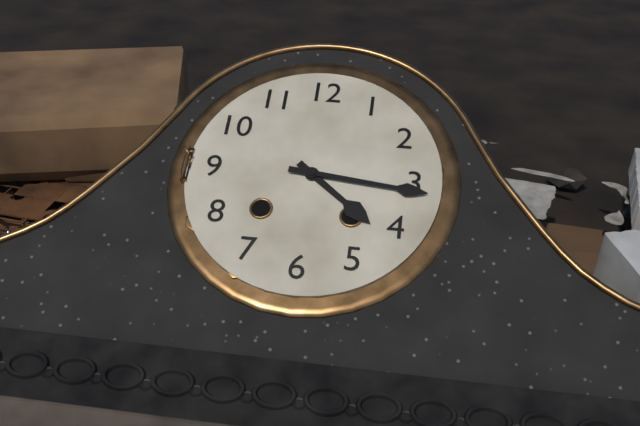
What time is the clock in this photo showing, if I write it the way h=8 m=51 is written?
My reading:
h=4 m=16
